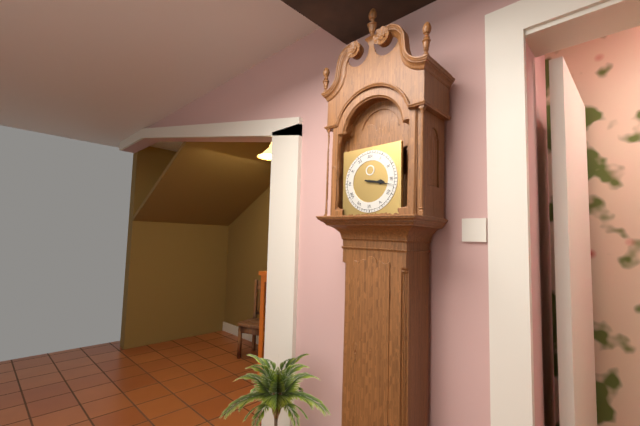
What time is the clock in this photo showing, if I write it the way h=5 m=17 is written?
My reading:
h=3 m=17
